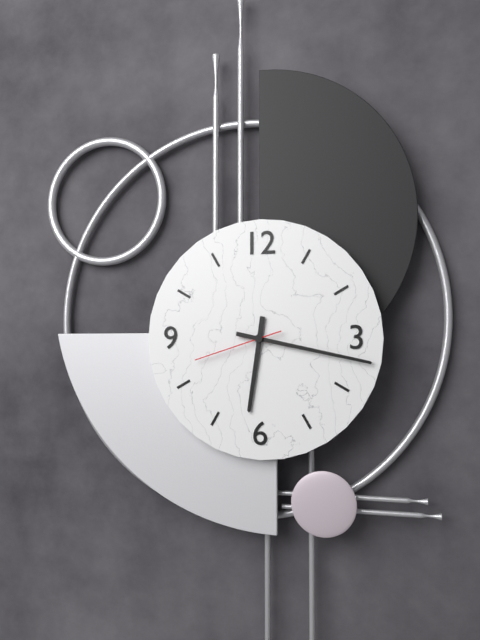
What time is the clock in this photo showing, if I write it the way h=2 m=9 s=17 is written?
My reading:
h=6 m=17 s=42
